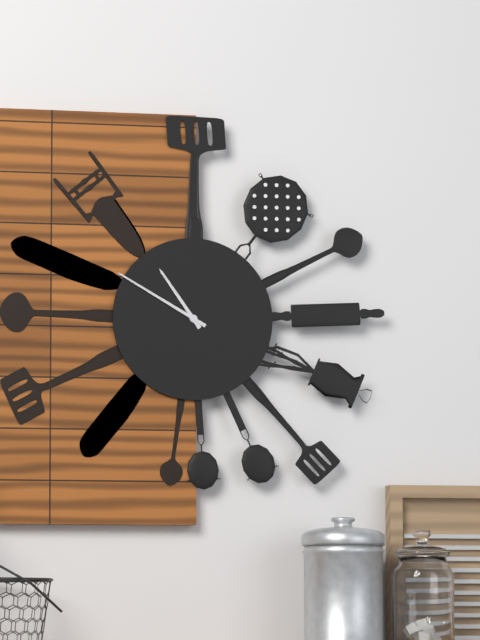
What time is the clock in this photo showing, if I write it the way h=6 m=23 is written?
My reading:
h=10 m=50
